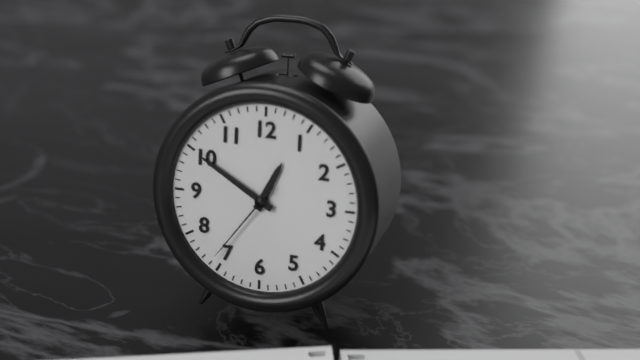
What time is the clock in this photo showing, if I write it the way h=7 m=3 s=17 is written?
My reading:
h=12 m=50 s=36
